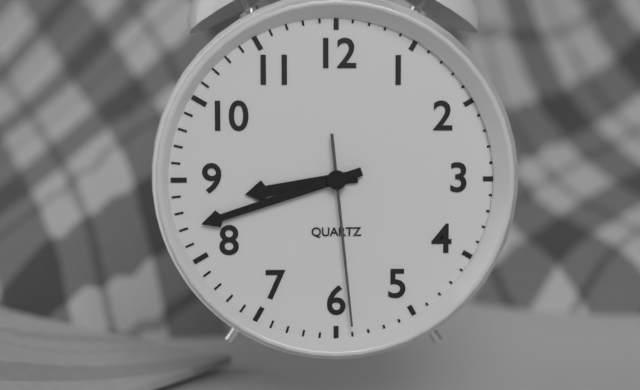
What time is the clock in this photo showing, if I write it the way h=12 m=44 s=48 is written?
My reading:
h=8 m=42 s=29
